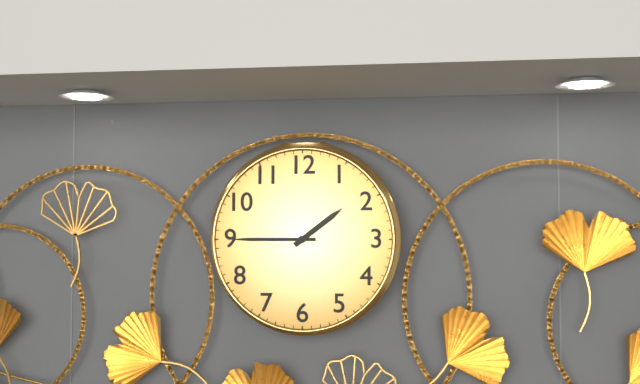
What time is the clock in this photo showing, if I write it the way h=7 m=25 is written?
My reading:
h=1 m=45
